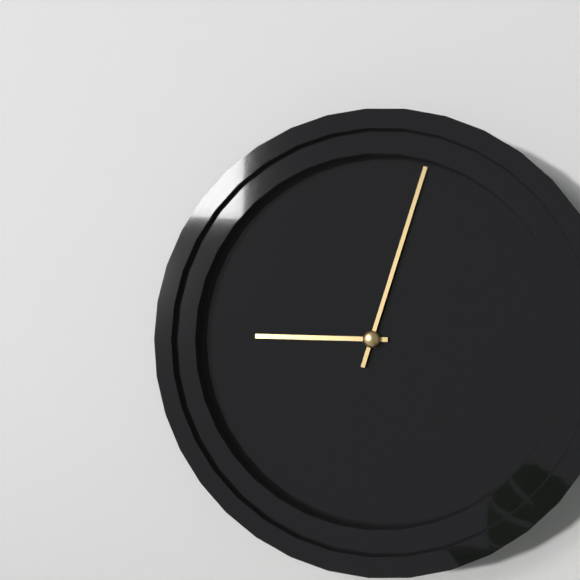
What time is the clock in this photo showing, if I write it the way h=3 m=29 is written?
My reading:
h=9 m=3
